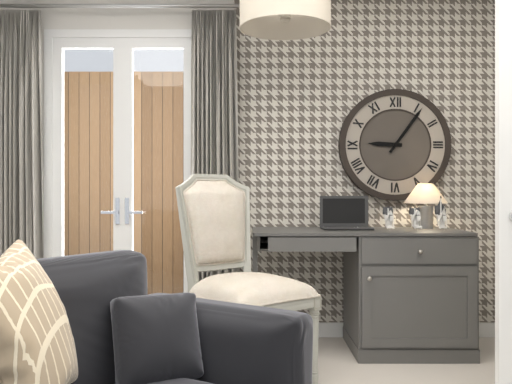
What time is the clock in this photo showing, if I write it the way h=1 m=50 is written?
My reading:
h=9 m=6
